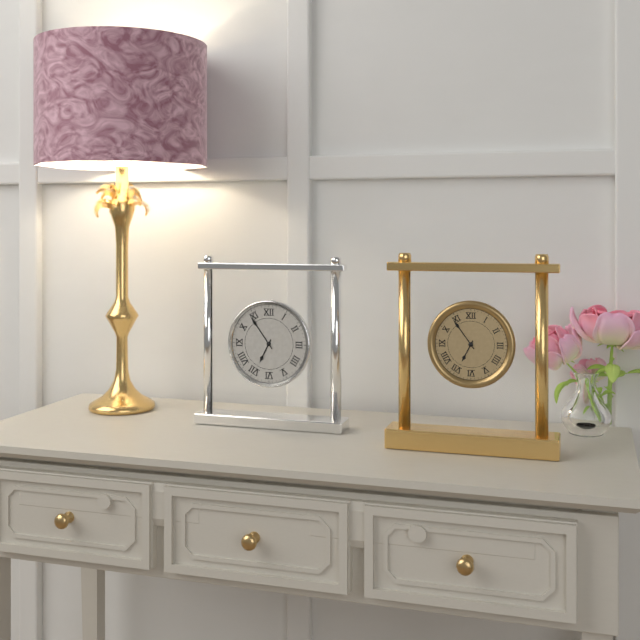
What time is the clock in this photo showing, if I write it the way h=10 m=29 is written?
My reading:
h=6 m=54
